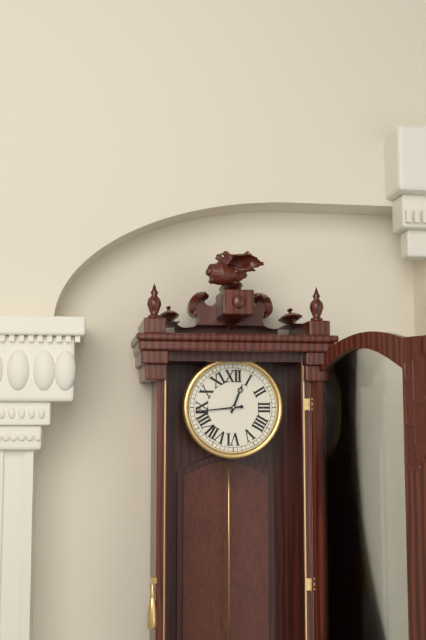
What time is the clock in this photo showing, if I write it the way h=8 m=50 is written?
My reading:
h=12 m=44
